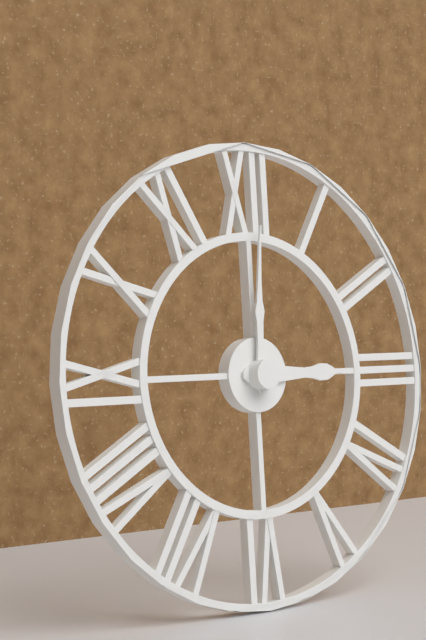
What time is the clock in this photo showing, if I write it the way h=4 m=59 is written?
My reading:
h=3 m=0
